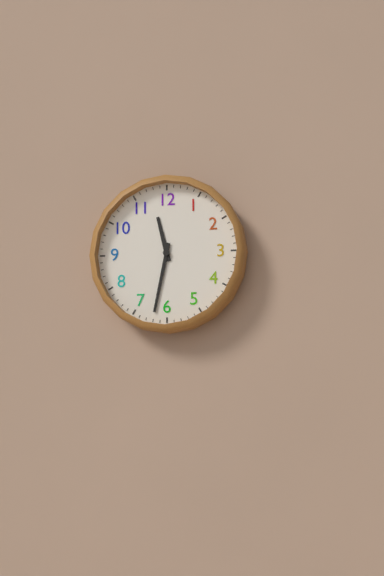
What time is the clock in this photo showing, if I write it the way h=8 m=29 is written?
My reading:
h=11 m=32
